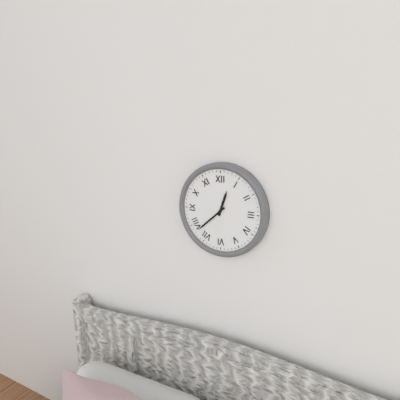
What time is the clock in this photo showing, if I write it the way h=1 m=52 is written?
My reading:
h=12 m=38
